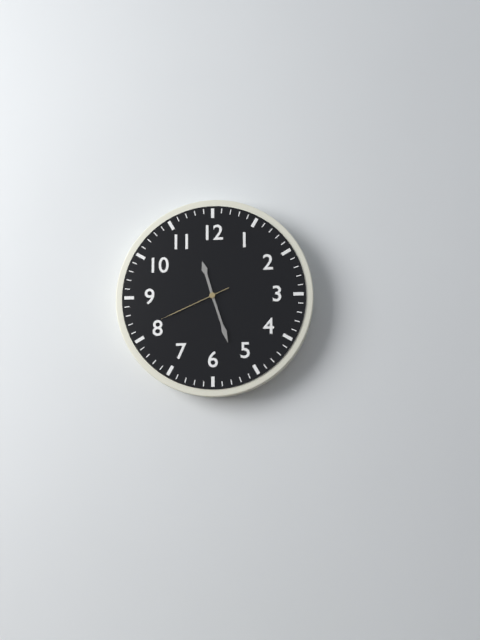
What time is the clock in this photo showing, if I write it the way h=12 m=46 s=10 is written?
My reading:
h=11 m=27 s=41
